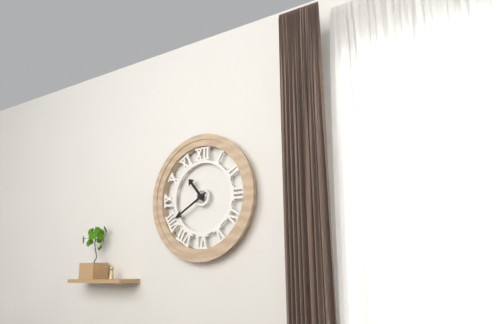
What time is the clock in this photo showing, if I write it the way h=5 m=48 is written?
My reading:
h=10 m=40
